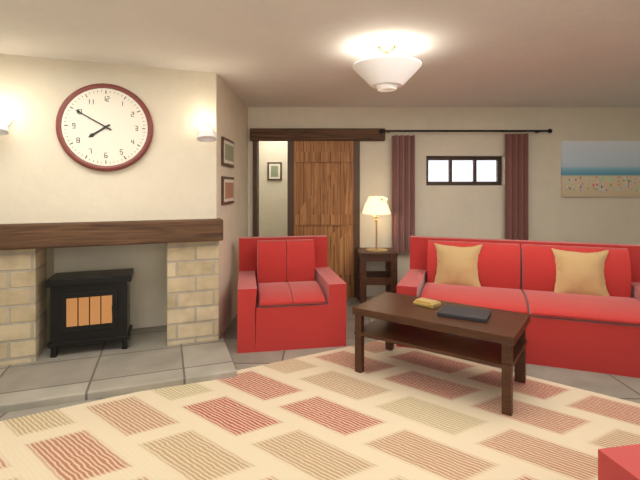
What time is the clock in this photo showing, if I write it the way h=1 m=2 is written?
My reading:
h=7 m=50
